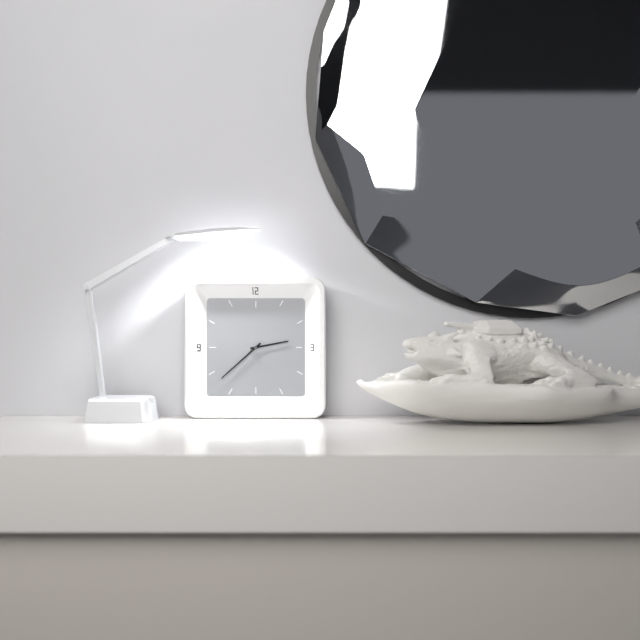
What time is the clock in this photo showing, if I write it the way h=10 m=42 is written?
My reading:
h=2 m=38
